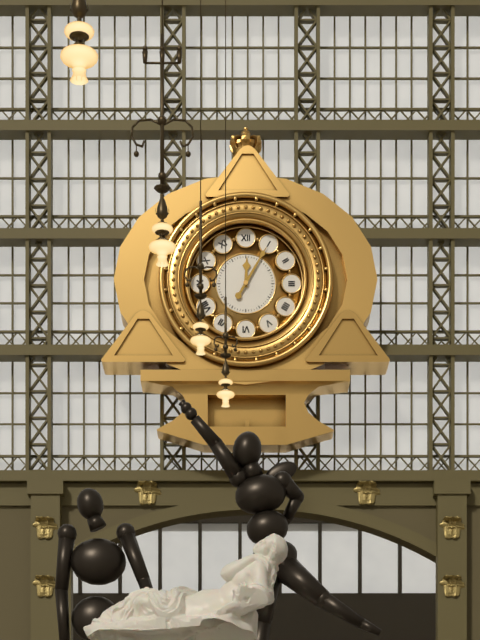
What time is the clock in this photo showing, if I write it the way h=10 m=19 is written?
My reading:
h=12 m=5
